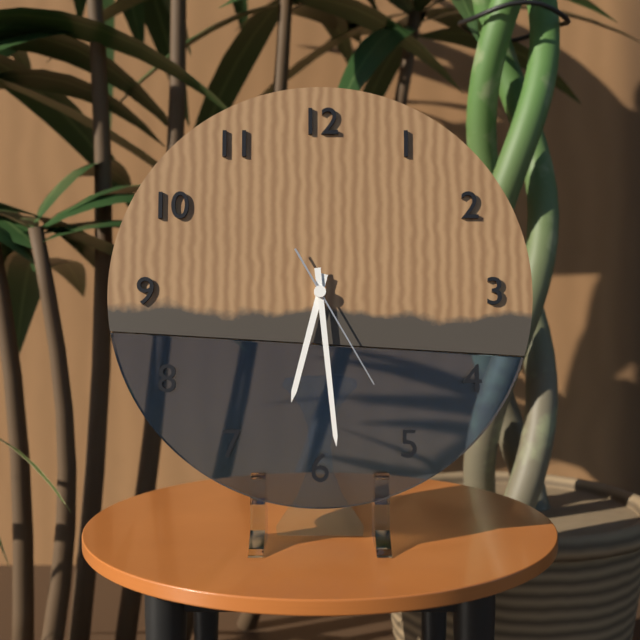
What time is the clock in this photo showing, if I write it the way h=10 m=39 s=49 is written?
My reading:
h=6 m=29 s=25
